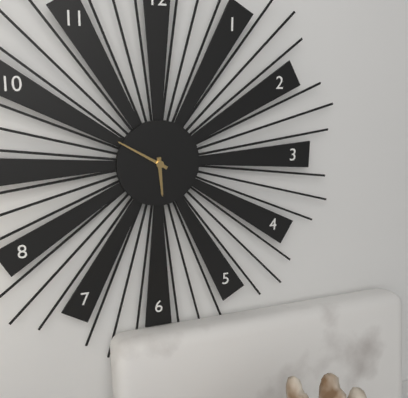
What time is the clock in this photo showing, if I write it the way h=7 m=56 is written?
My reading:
h=5 m=50
